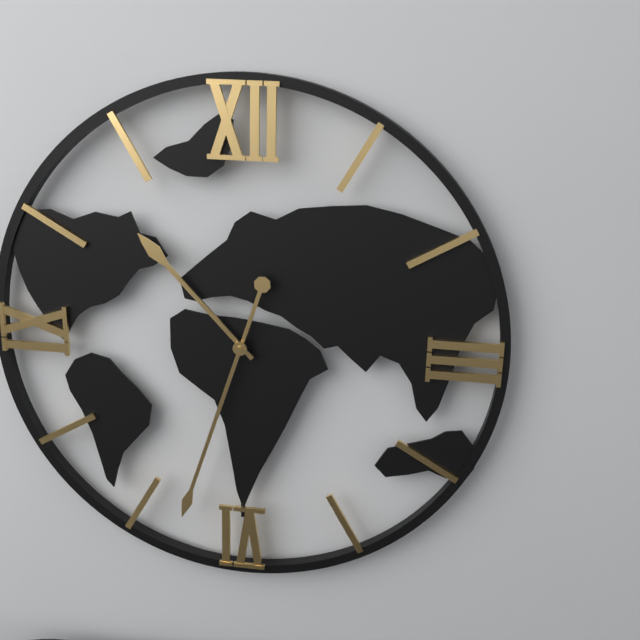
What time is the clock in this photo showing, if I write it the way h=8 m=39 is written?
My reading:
h=10 m=33
